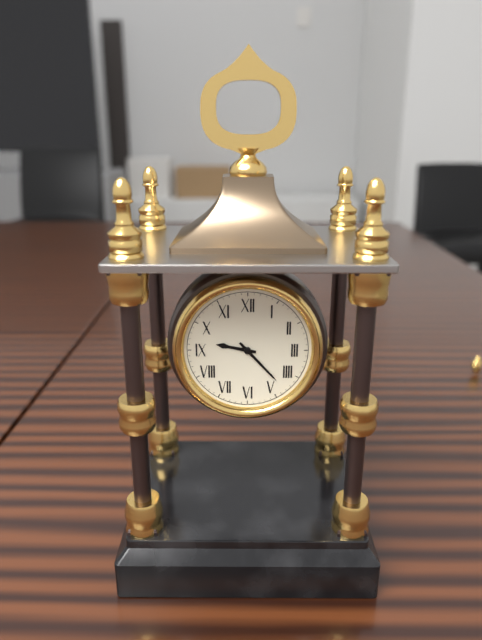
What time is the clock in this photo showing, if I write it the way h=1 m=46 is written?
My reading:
h=9 m=23
